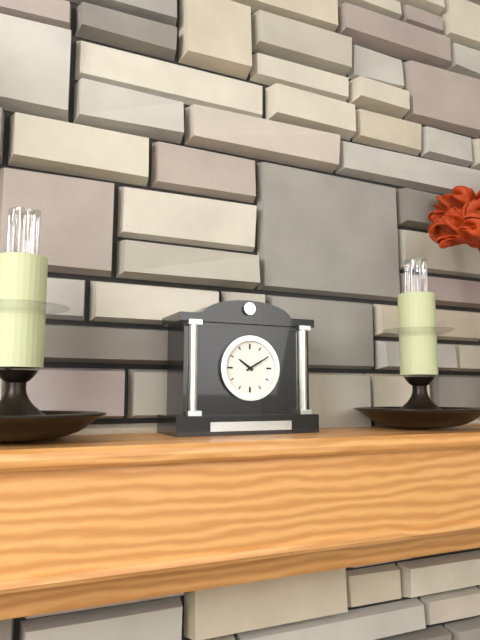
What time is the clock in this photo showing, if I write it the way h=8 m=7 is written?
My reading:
h=10 m=10
